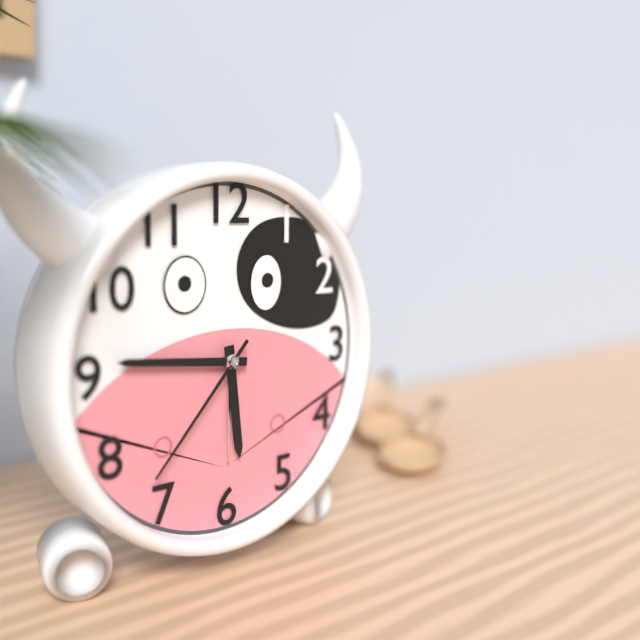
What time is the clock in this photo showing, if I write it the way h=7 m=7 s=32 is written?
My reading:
h=5 m=46 s=37
